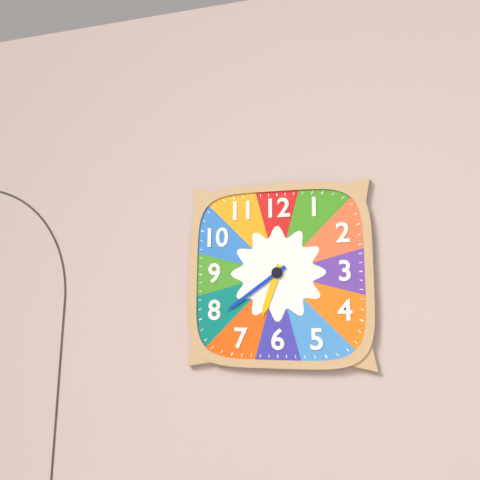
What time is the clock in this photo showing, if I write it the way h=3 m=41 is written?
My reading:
h=6 m=39
